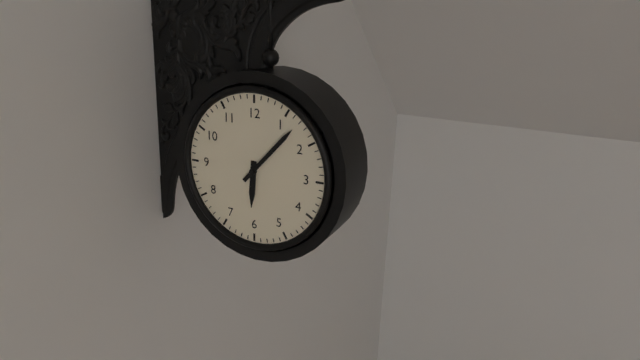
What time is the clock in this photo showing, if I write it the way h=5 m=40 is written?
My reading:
h=6 m=7
